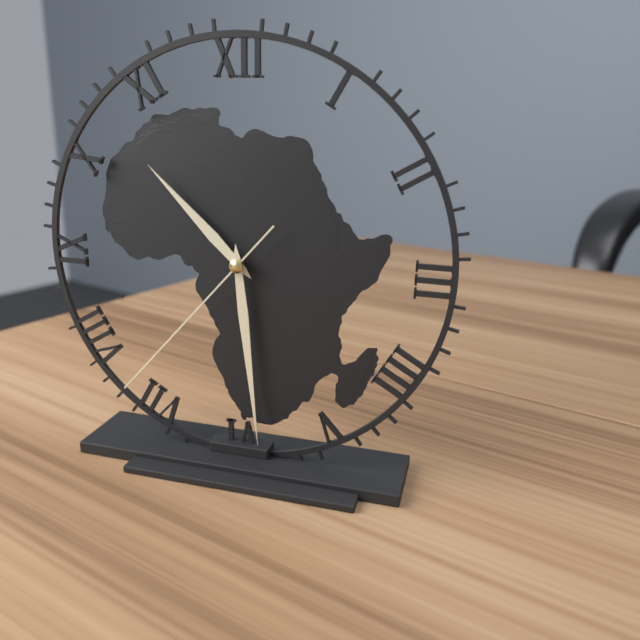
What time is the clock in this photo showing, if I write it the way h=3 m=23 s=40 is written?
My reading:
h=10 m=29 s=37
